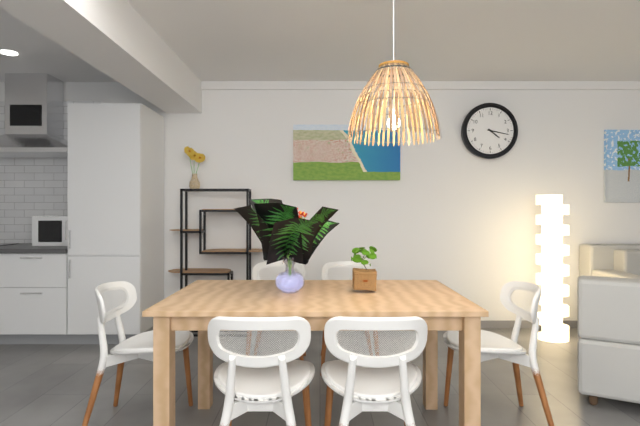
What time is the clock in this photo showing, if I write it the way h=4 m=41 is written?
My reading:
h=4 m=17
